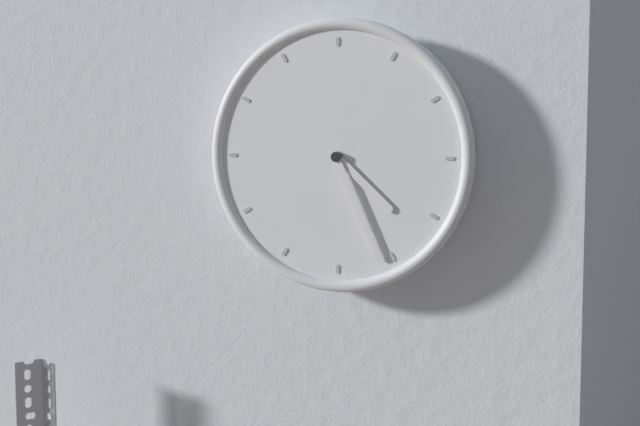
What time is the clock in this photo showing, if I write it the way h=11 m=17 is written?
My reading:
h=4 m=26
